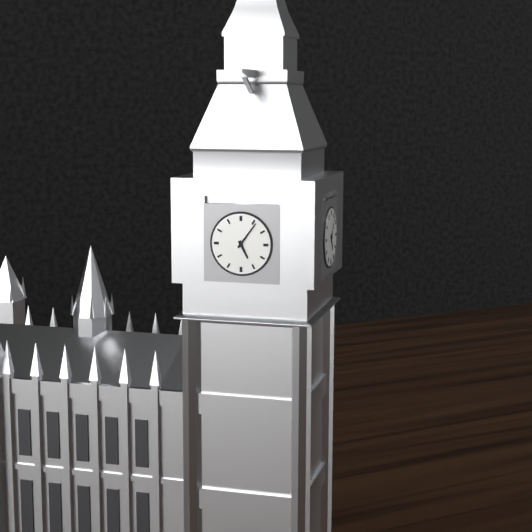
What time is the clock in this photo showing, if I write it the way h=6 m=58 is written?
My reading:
h=5 m=6
